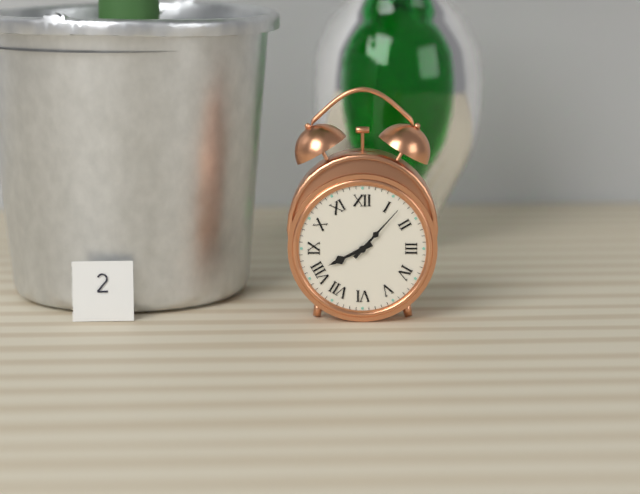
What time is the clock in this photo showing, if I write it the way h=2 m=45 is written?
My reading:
h=8 m=7
